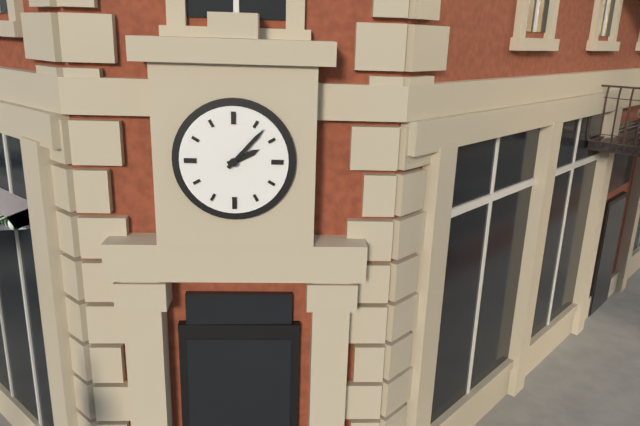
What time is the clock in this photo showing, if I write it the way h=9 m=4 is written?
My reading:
h=2 m=7
